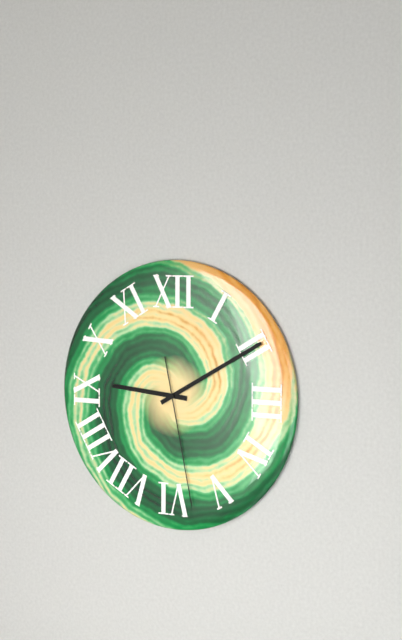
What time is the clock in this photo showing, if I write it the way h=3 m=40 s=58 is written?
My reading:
h=9 m=10 s=28
